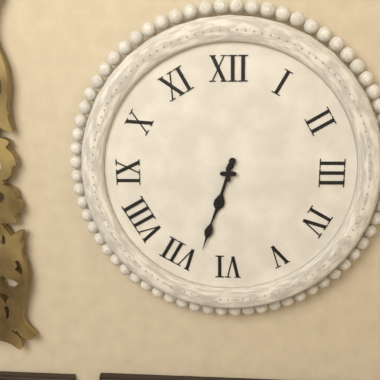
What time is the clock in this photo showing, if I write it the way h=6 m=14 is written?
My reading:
h=6 m=33
